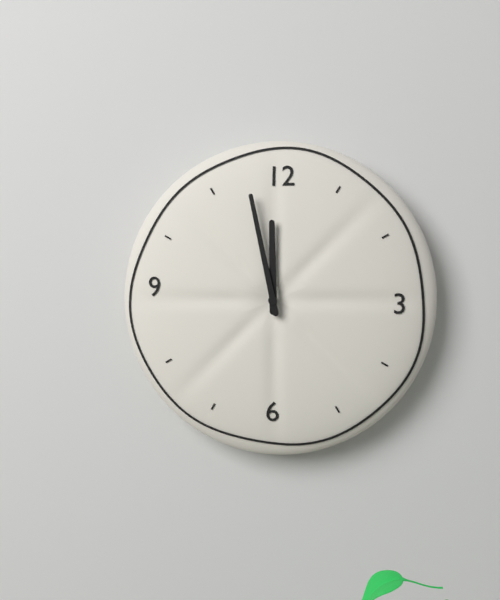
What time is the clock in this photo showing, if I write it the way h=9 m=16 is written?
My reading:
h=11 m=58
